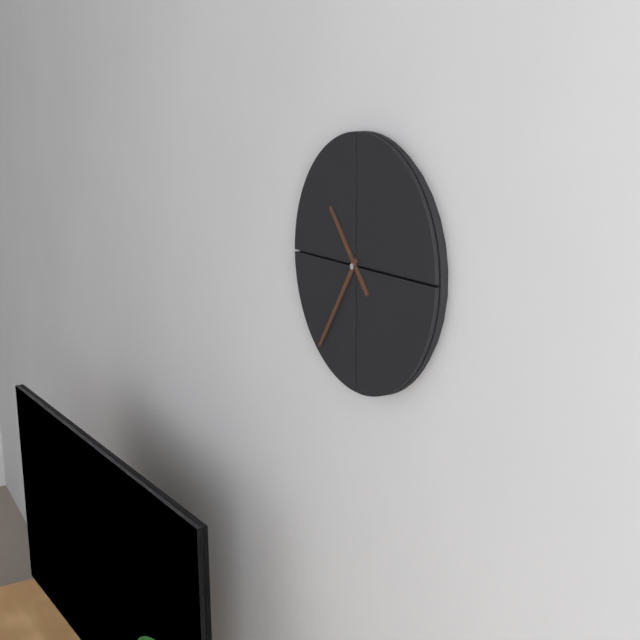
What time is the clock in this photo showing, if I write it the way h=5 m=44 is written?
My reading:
h=10 m=36
